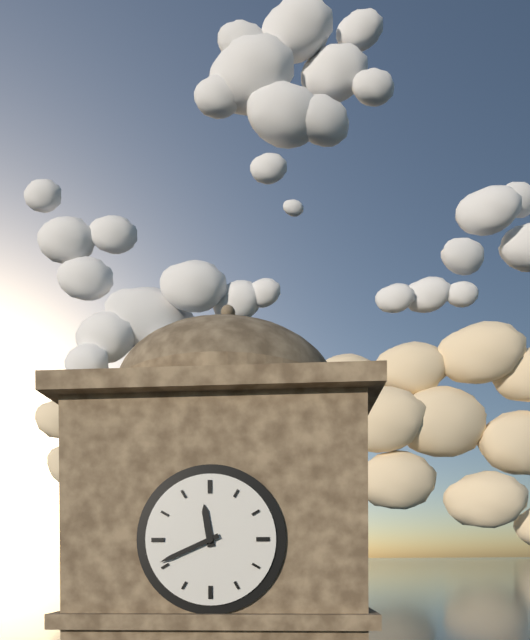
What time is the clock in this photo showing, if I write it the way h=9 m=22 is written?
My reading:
h=11 m=41
